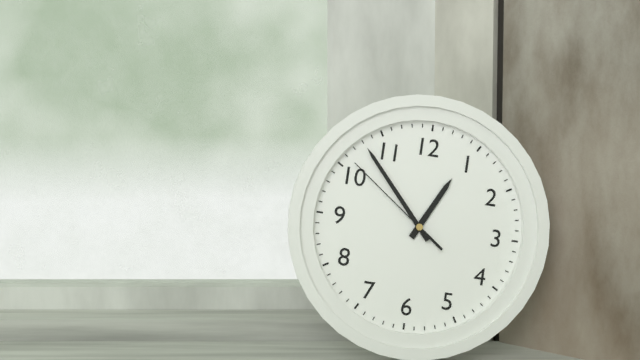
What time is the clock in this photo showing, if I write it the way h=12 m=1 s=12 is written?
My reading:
h=12 m=53 s=51
